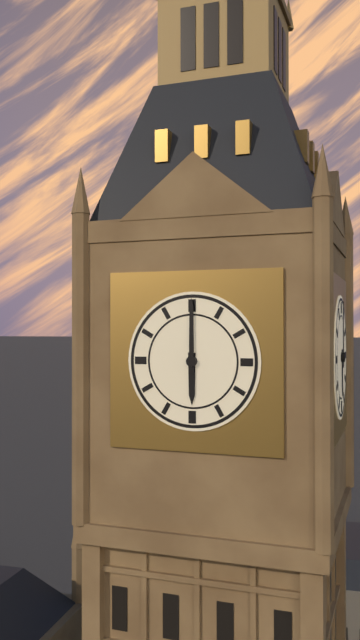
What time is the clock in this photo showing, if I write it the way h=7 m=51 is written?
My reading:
h=6 m=0
